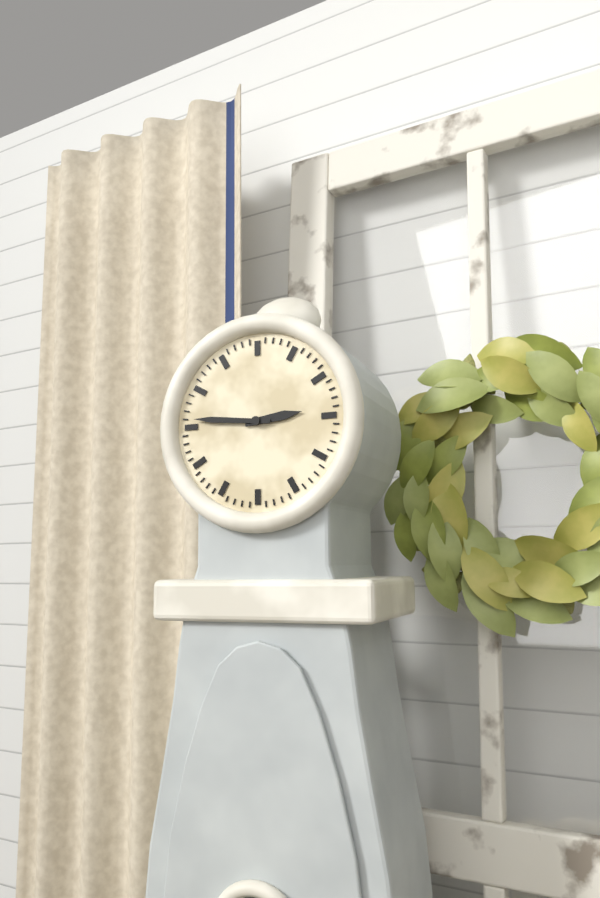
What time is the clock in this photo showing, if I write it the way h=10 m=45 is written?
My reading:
h=2 m=46
